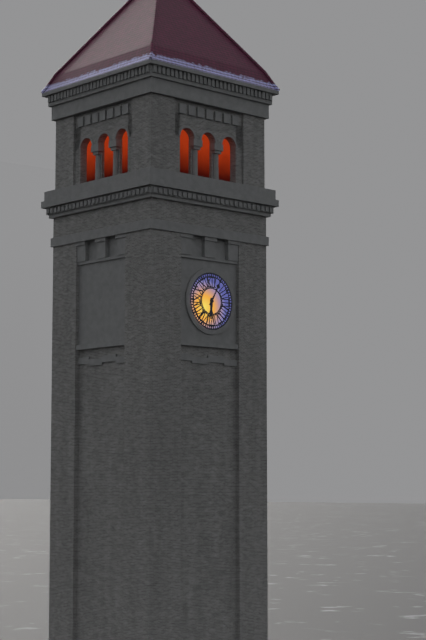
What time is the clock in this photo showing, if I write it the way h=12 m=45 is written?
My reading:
h=6 m=5
